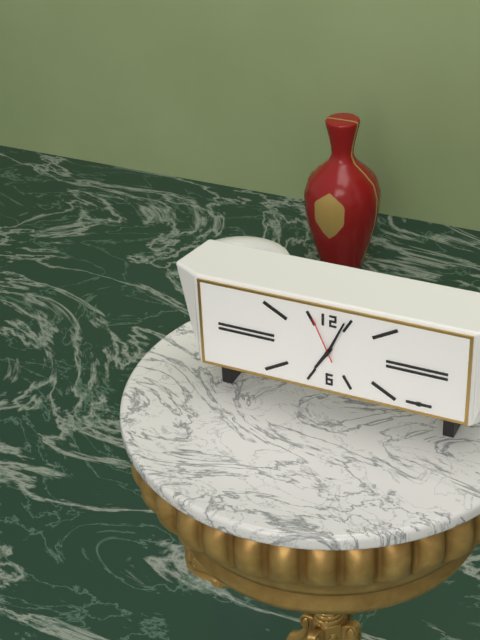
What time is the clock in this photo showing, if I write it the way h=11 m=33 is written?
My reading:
h=7 m=4
